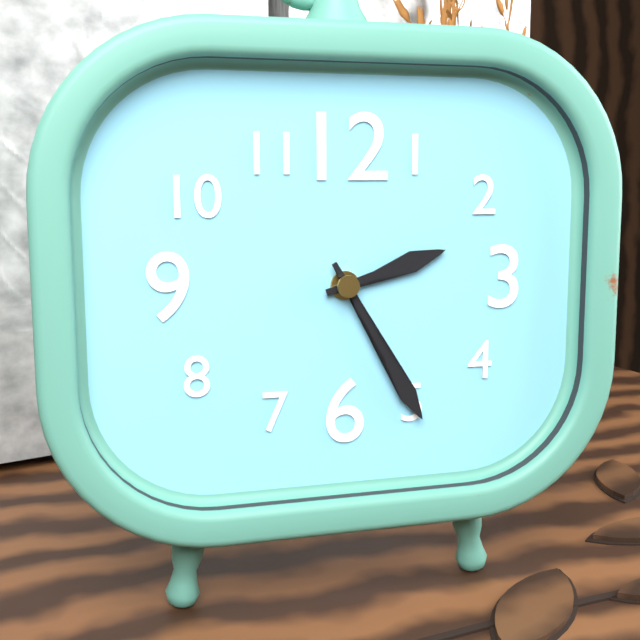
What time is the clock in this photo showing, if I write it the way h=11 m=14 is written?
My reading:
h=2 m=25
